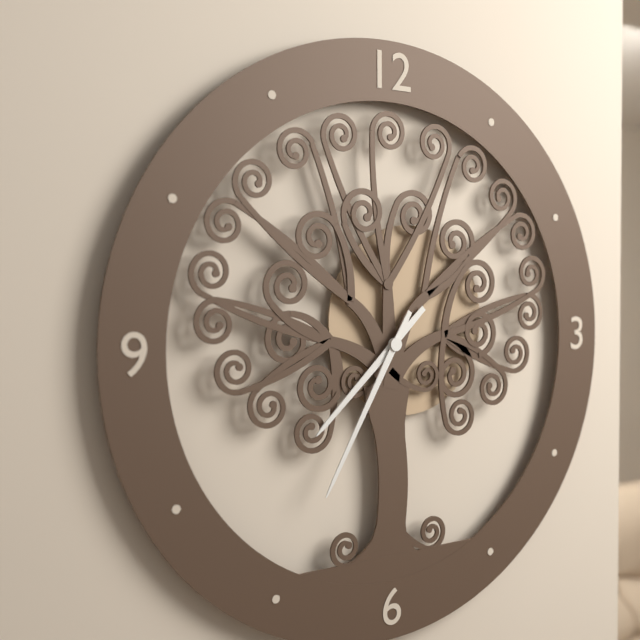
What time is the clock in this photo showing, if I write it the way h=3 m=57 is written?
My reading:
h=7 m=35
